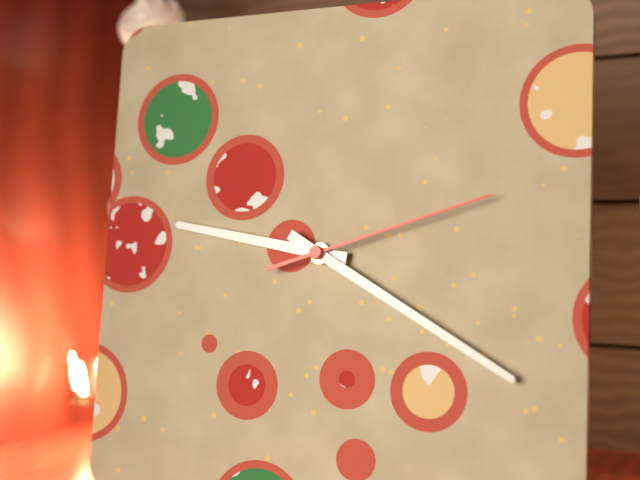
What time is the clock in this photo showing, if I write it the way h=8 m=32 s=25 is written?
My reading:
h=9 m=20 s=12
